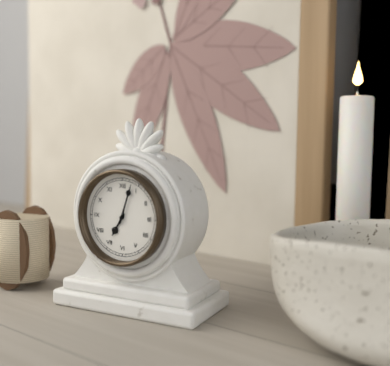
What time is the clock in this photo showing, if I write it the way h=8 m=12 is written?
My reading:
h=7 m=3
